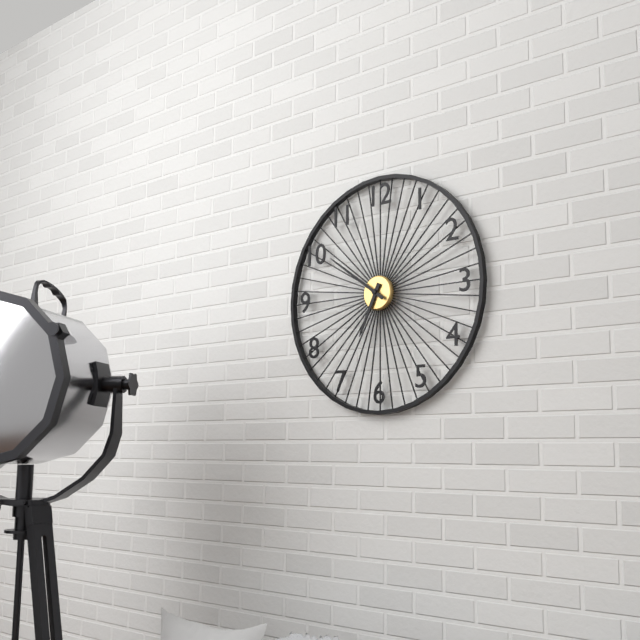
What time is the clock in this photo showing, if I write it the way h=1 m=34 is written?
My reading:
h=6 m=51
